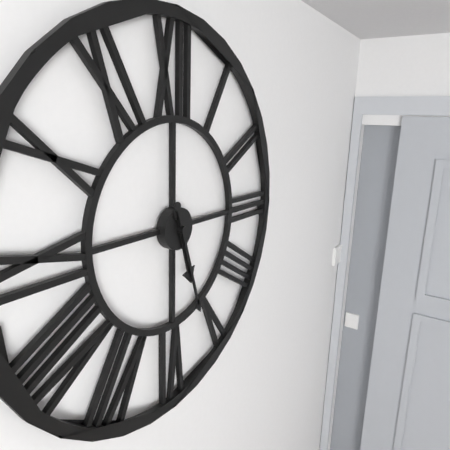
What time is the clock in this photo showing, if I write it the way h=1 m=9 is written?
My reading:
h=5 m=27
